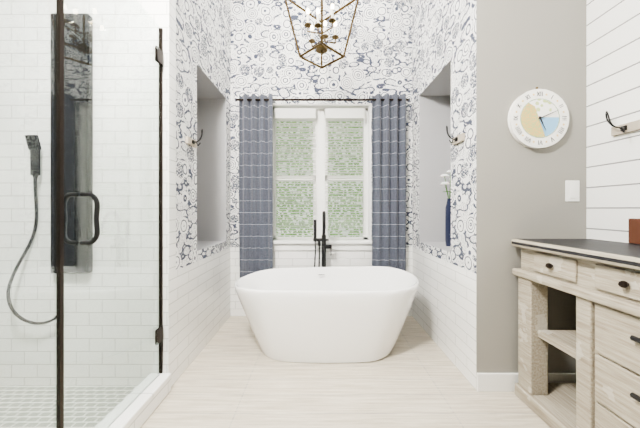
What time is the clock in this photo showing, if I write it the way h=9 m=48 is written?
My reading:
h=5 m=11
